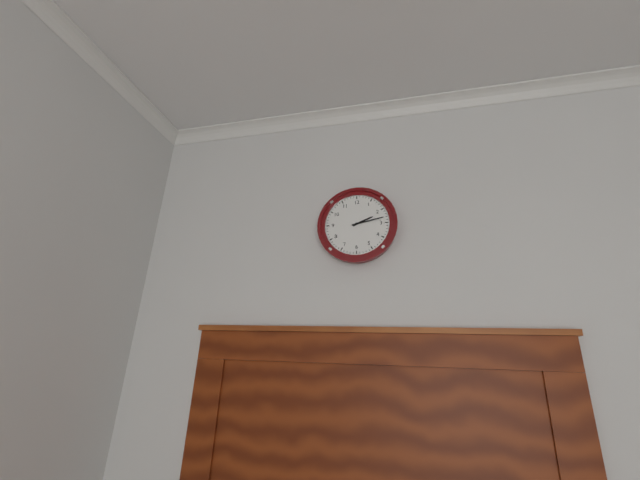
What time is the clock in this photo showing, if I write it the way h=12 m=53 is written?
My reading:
h=2 m=13
